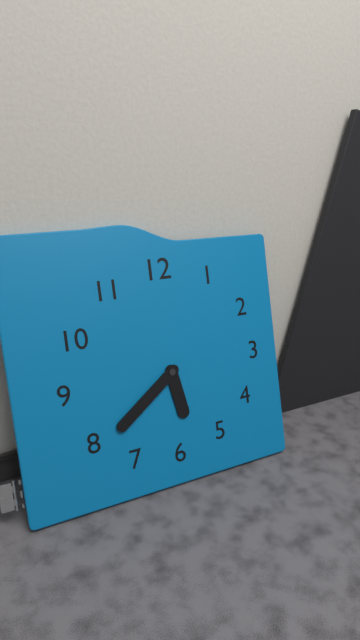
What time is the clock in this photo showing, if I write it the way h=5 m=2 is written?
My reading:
h=5 m=39
